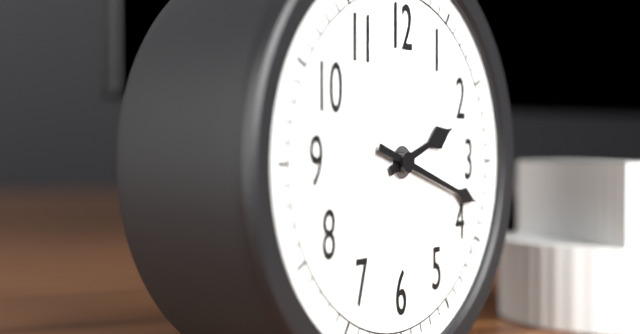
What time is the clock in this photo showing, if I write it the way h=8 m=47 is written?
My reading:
h=2 m=18
